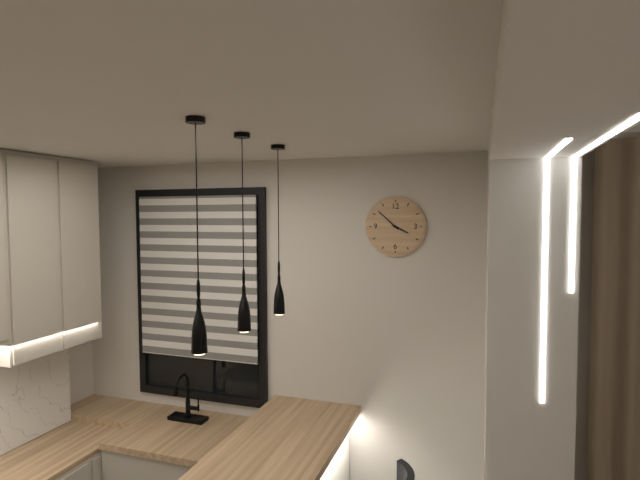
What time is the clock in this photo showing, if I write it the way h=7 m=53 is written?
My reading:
h=3 m=52
